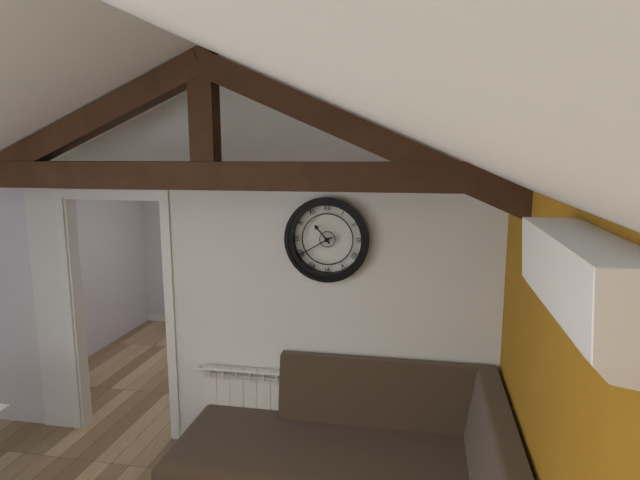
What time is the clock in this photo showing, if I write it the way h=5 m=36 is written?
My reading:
h=10 m=40
